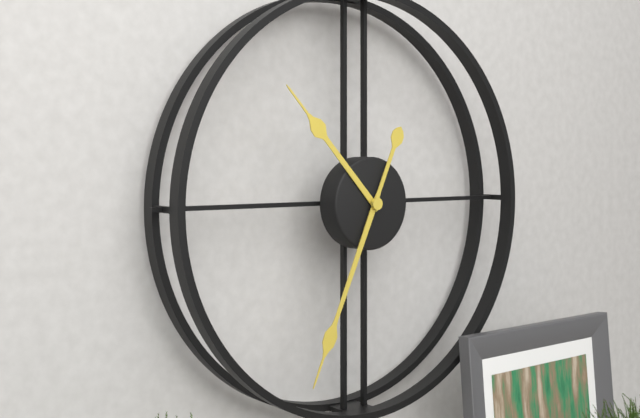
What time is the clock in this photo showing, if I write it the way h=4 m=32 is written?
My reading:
h=10 m=34
